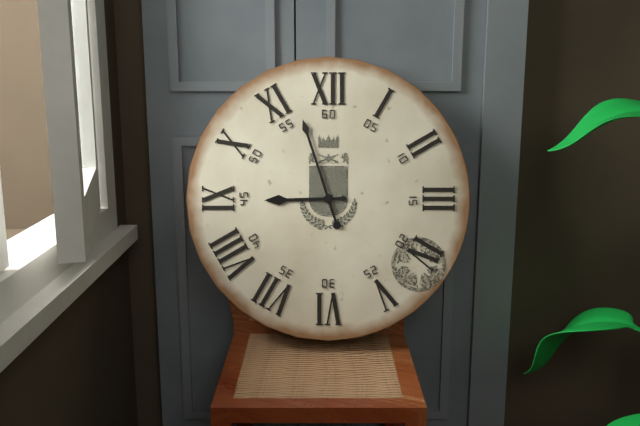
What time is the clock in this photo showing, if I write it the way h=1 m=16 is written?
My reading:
h=8 m=57
